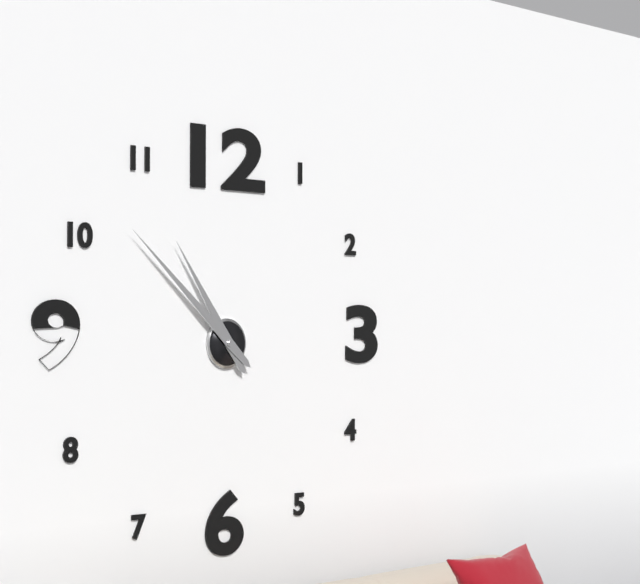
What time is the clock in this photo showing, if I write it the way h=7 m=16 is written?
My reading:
h=10 m=52
